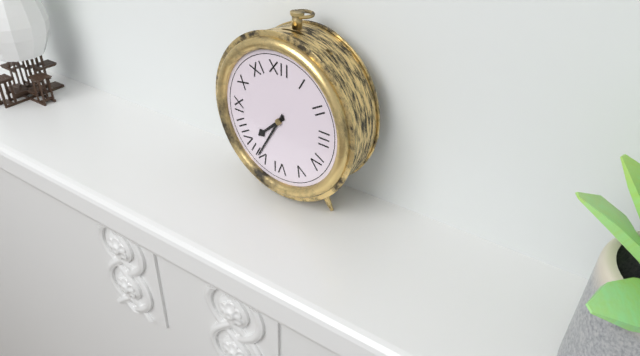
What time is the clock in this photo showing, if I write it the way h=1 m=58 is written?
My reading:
h=7 m=35
